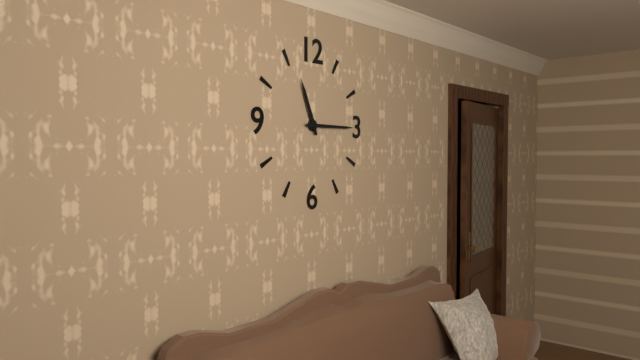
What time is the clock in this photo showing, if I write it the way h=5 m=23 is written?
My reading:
h=11 m=15
